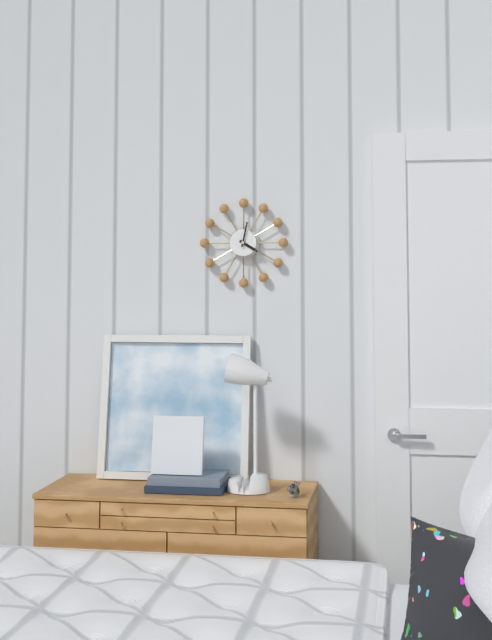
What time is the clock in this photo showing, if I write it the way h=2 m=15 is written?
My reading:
h=4 m=2
